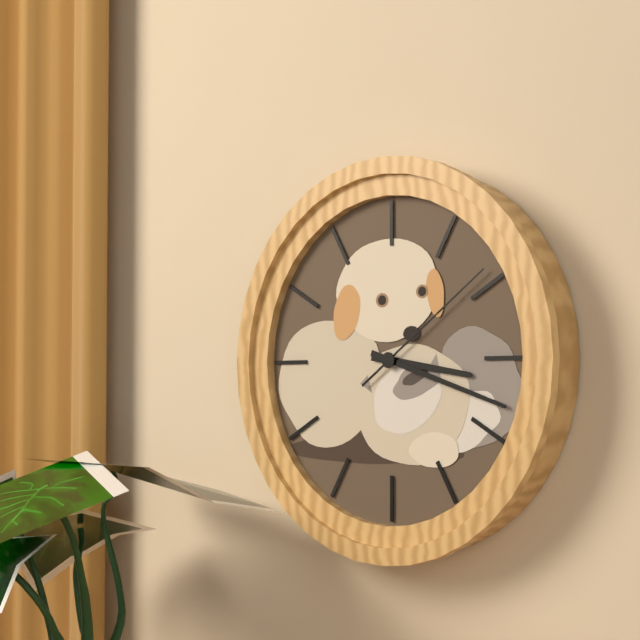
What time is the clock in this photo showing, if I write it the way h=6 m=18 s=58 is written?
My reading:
h=3 m=18 s=9
